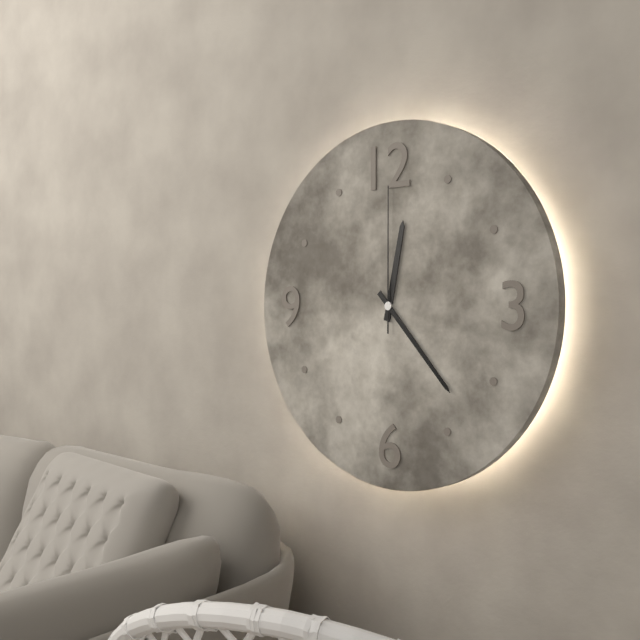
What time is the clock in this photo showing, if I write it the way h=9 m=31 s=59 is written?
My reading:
h=12 m=23 s=0
